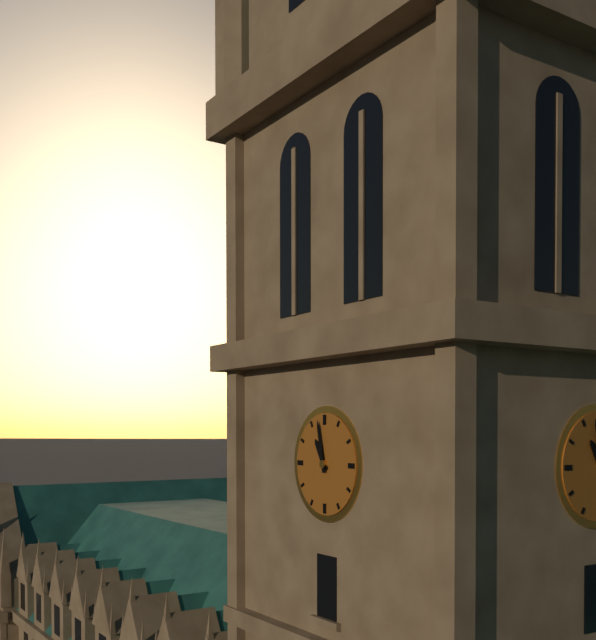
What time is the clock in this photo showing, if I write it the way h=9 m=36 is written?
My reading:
h=10 m=58
